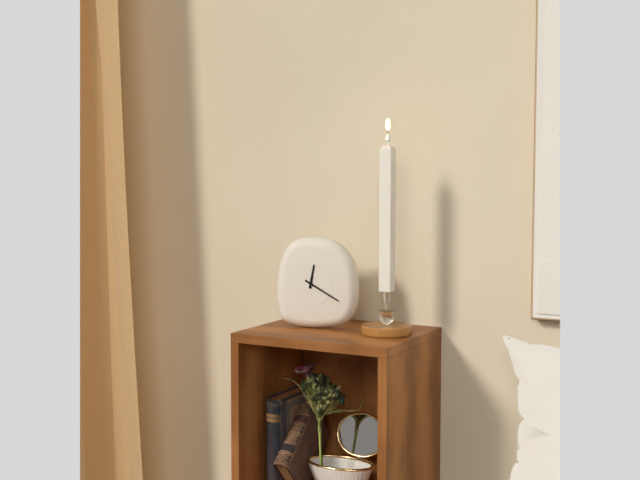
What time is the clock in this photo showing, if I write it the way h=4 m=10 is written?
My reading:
h=12 m=20
